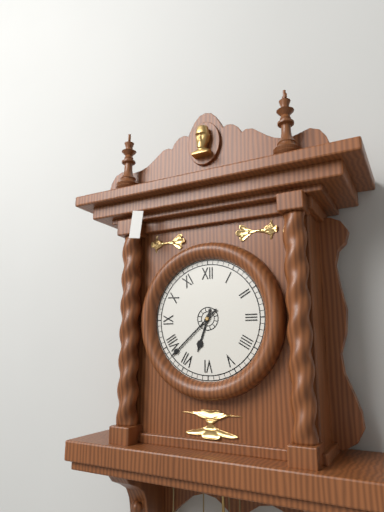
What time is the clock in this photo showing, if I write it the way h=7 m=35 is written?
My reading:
h=6 m=38
